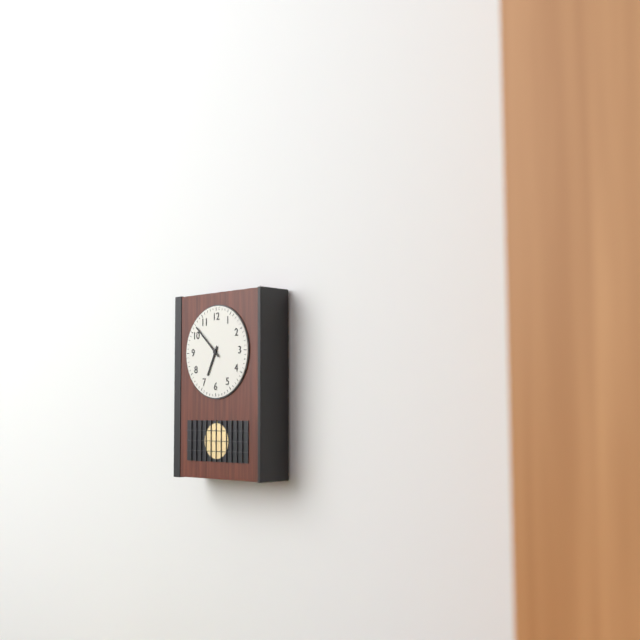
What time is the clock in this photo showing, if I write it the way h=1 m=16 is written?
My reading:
h=6 m=52
